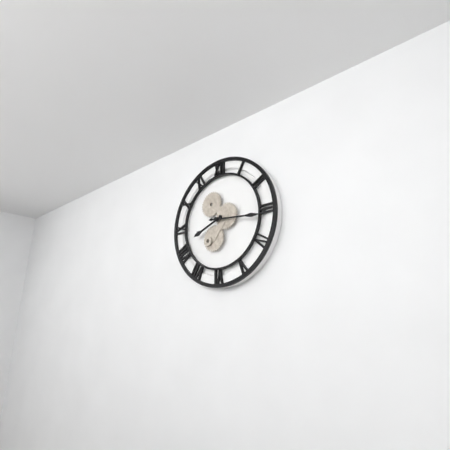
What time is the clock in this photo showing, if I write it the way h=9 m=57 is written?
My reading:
h=8 m=16
